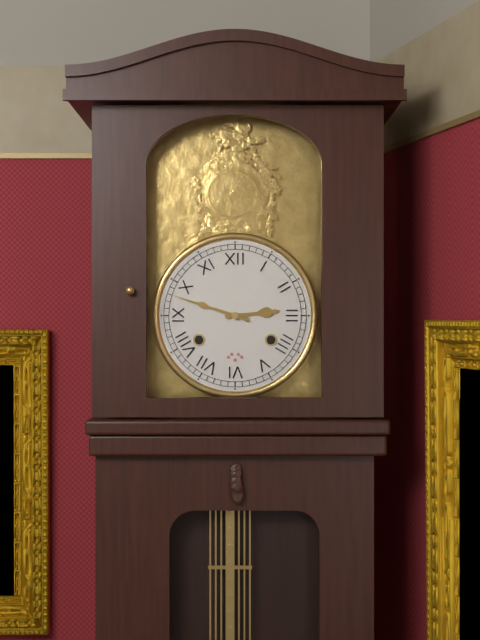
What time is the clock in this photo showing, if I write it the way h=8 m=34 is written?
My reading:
h=2 m=48
